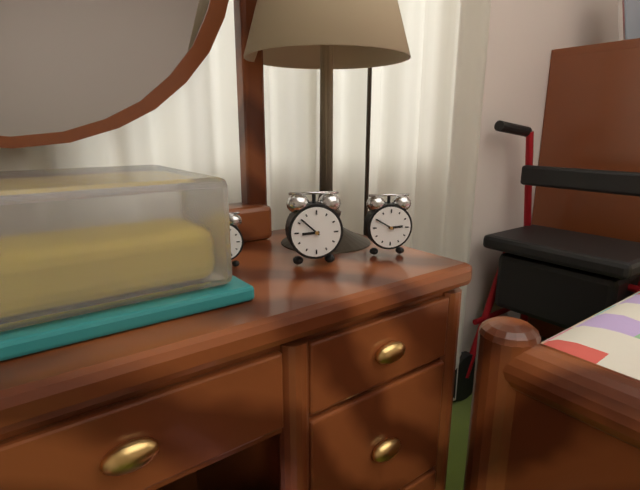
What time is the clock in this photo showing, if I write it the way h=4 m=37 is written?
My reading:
h=8 m=52
